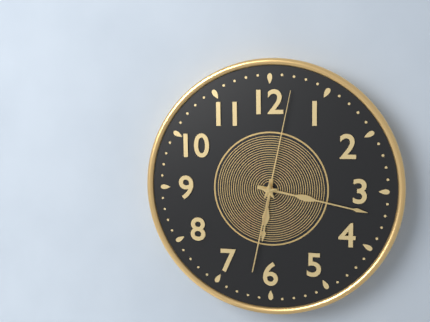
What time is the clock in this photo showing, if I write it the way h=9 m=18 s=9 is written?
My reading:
h=6 m=17 s=2
